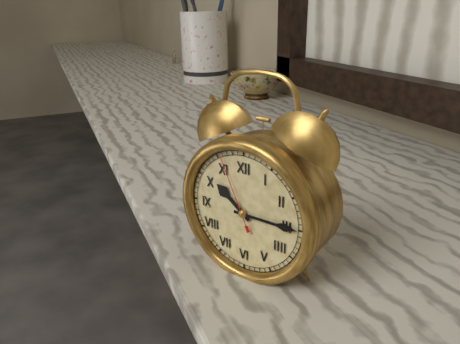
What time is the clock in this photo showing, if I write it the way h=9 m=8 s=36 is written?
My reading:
h=10 m=15 s=56
